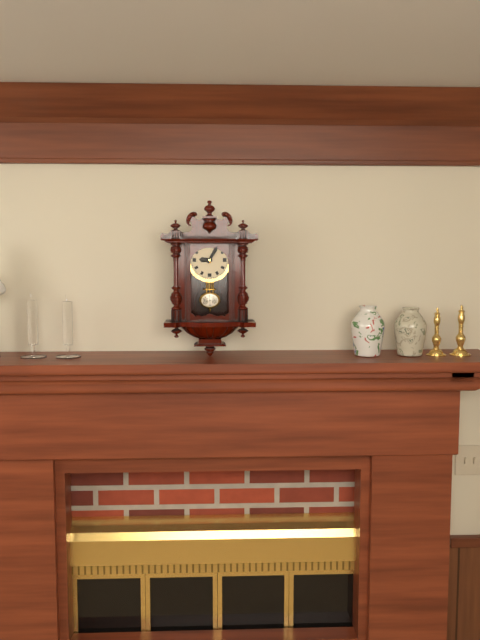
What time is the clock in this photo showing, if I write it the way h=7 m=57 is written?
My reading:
h=9 m=5
